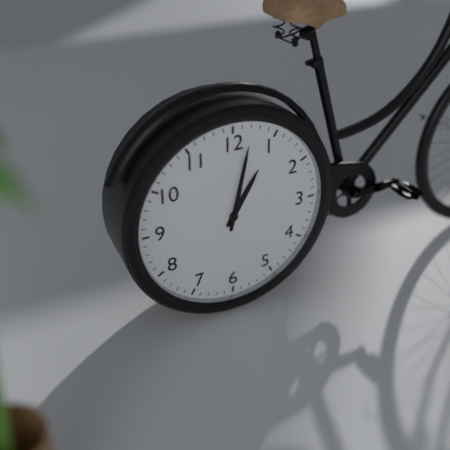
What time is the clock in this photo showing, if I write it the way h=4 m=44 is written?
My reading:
h=1 m=2
